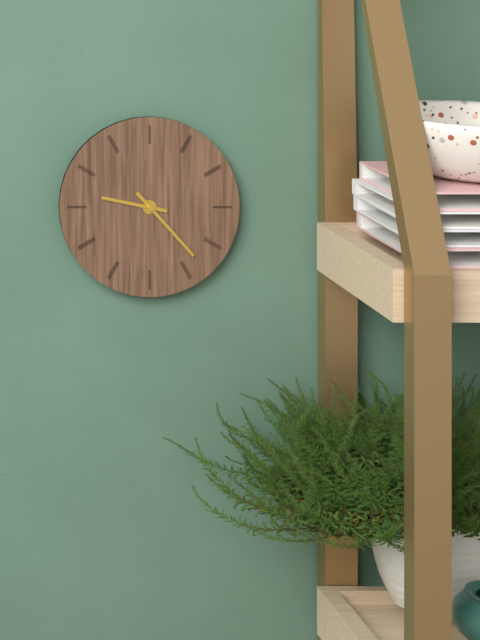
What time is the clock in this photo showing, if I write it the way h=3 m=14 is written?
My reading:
h=9 m=23
